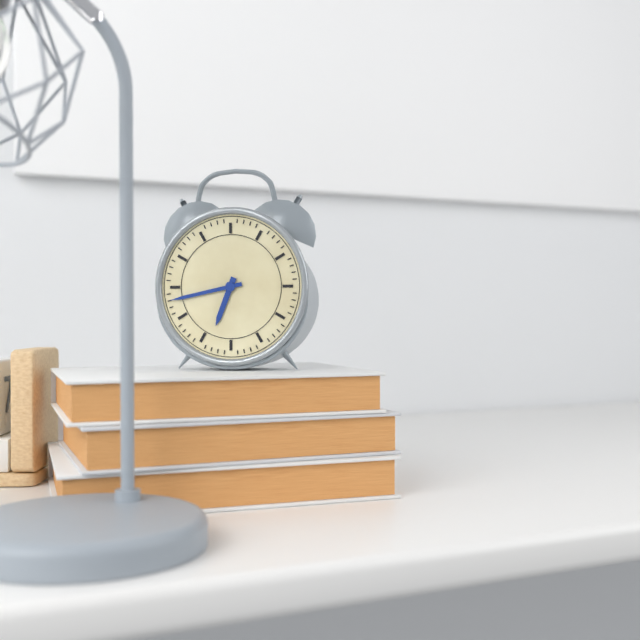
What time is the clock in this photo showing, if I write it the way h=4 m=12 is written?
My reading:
h=6 m=43
